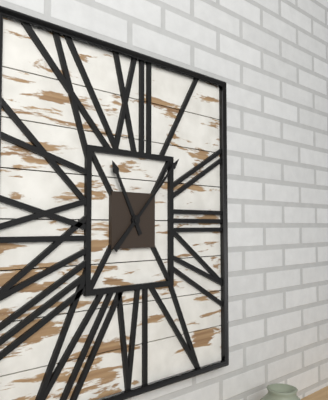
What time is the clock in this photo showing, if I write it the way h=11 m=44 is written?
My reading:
h=11 m=7
